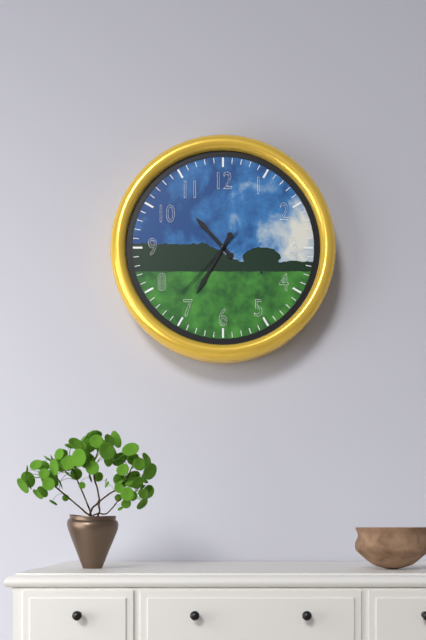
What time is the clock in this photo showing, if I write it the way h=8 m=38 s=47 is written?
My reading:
h=10 m=35 s=37
